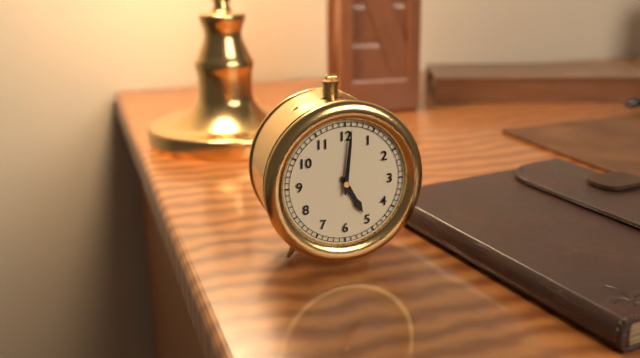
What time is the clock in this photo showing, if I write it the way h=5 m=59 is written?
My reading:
h=5 m=1
